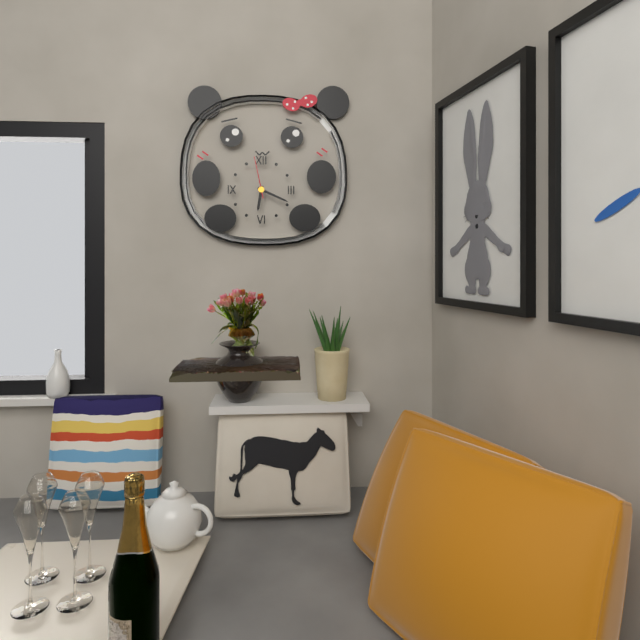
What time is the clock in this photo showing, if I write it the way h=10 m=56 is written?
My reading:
h=6 m=19
